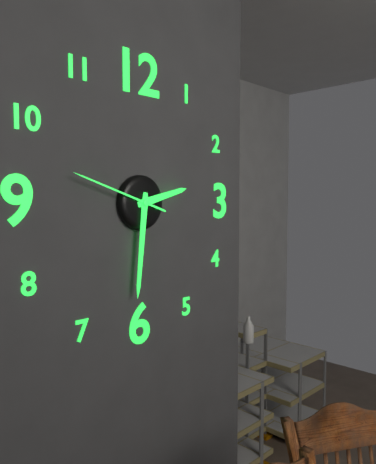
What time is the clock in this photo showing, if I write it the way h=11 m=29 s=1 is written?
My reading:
h=2 m=31 s=48
